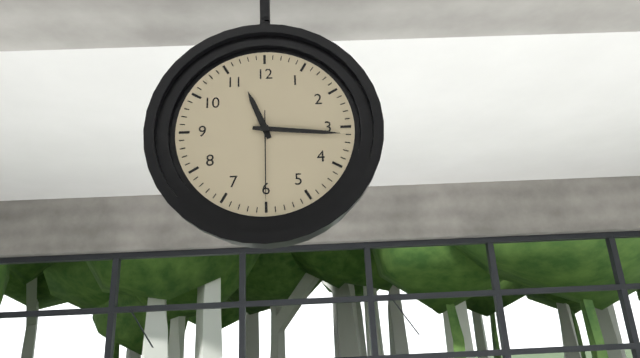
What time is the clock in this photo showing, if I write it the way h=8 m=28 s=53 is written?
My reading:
h=11 m=16 s=30
